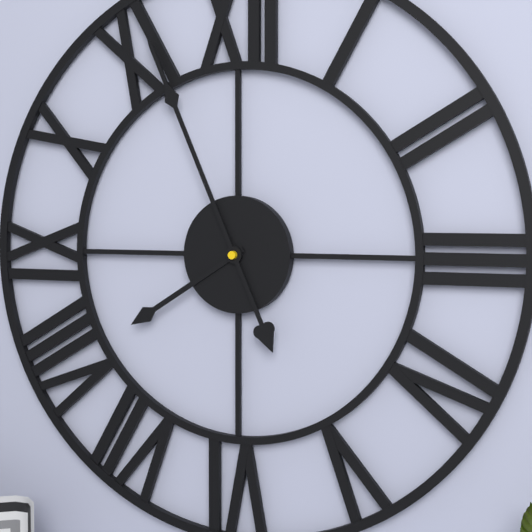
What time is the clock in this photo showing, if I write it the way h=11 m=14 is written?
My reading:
h=7 m=56
